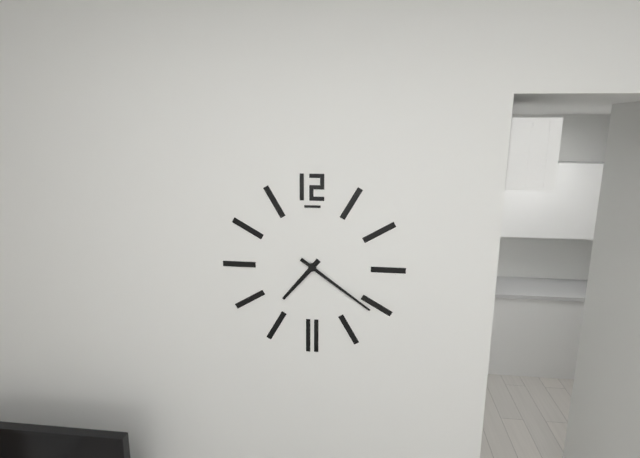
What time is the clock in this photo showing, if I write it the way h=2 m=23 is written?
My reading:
h=7 m=21
